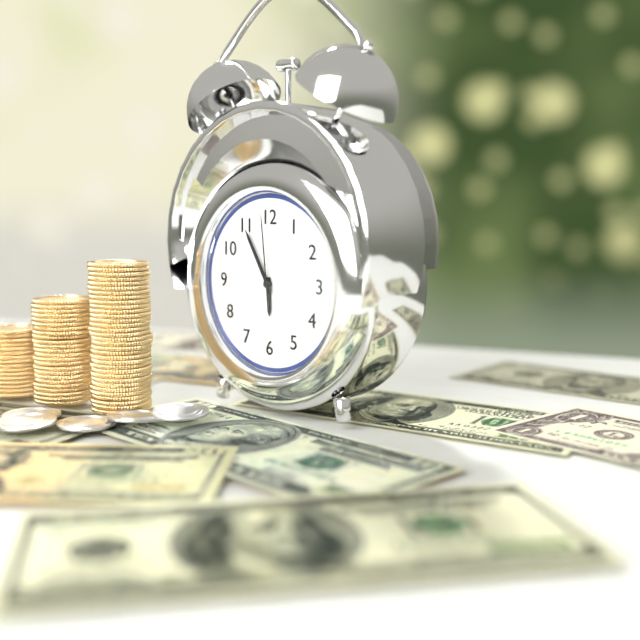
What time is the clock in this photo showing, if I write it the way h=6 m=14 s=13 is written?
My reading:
h=5 m=55 s=59
